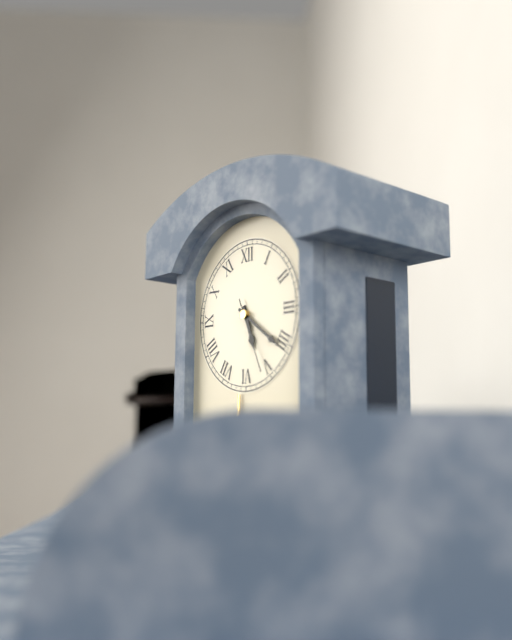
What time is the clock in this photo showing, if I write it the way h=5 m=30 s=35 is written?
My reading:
h=5 m=21 s=26
